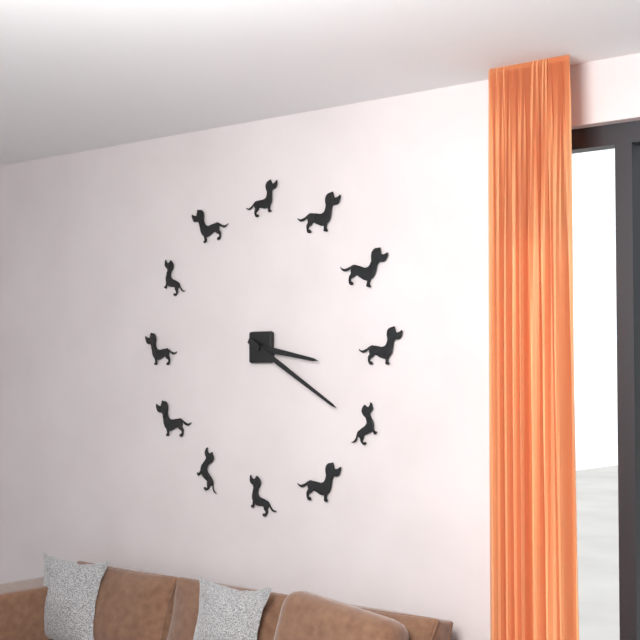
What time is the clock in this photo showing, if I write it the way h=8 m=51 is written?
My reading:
h=3 m=20
